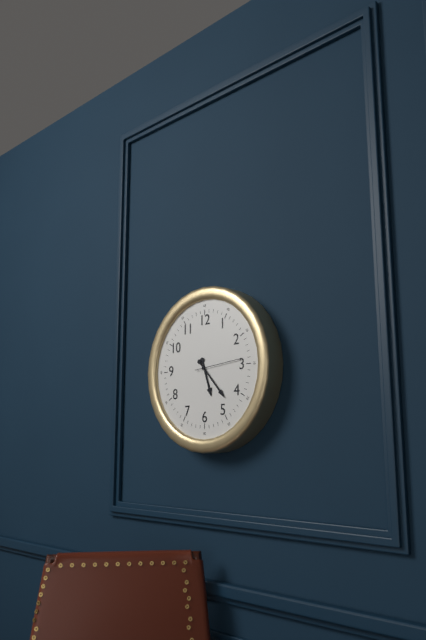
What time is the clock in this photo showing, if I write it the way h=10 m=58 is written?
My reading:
h=5 m=23
